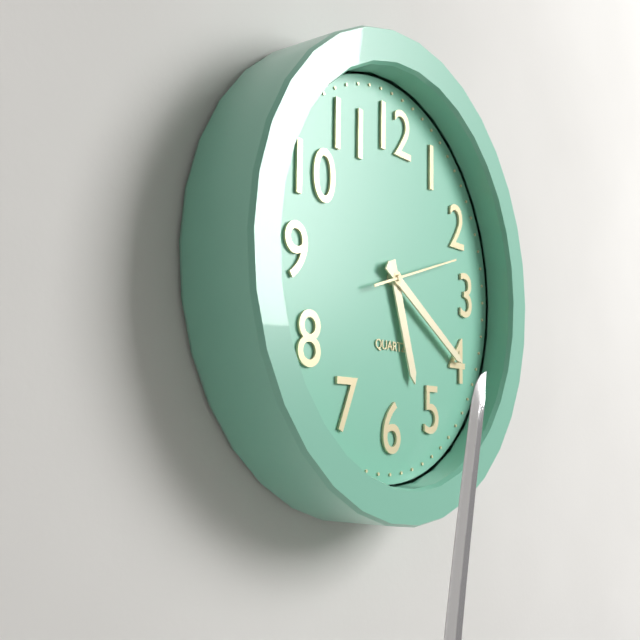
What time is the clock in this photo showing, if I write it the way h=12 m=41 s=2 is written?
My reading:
h=5 m=20 s=12
